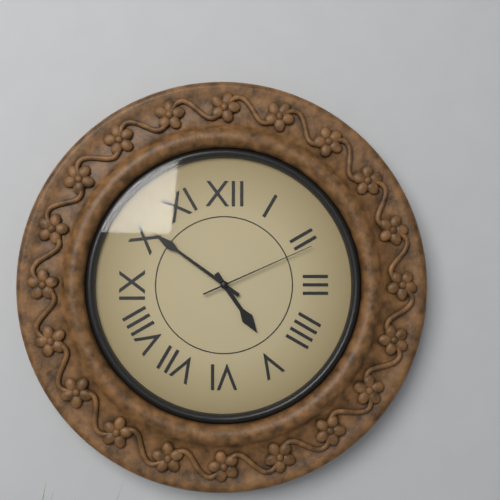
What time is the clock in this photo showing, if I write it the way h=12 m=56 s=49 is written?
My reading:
h=4 m=51 s=11
